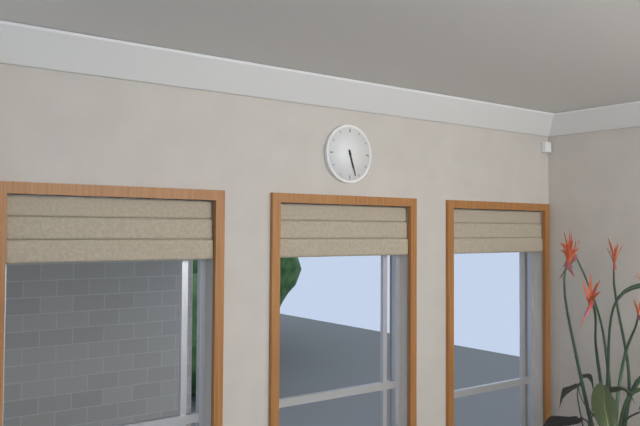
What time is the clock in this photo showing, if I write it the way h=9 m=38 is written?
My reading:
h=5 m=27
